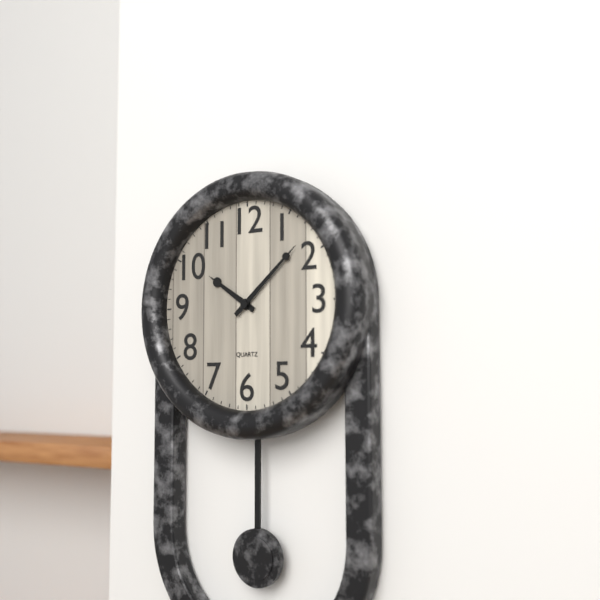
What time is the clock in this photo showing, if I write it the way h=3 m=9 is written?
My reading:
h=10 m=8
